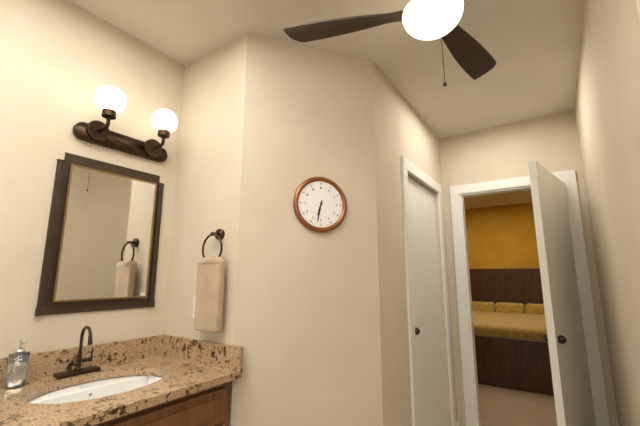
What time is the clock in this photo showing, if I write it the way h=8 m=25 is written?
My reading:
h=6 m=32
